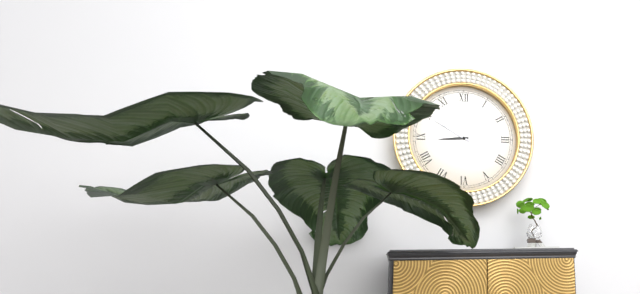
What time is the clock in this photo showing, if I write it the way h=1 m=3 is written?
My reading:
h=8 m=50
